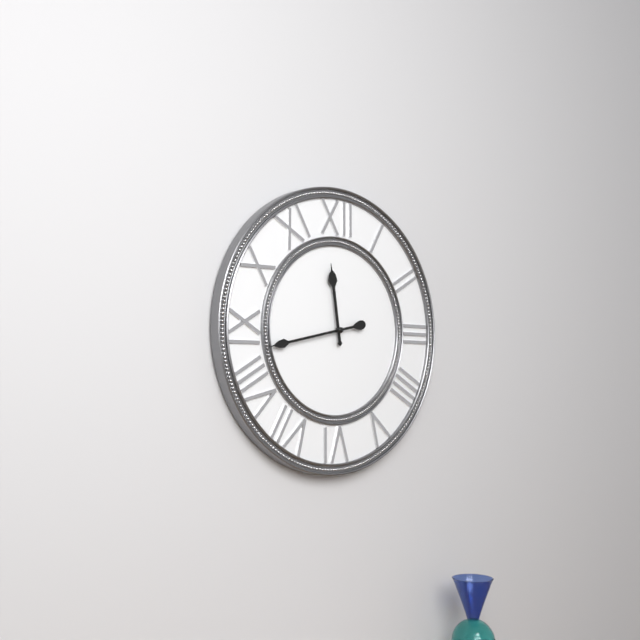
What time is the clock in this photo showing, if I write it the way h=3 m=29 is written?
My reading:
h=11 m=43
